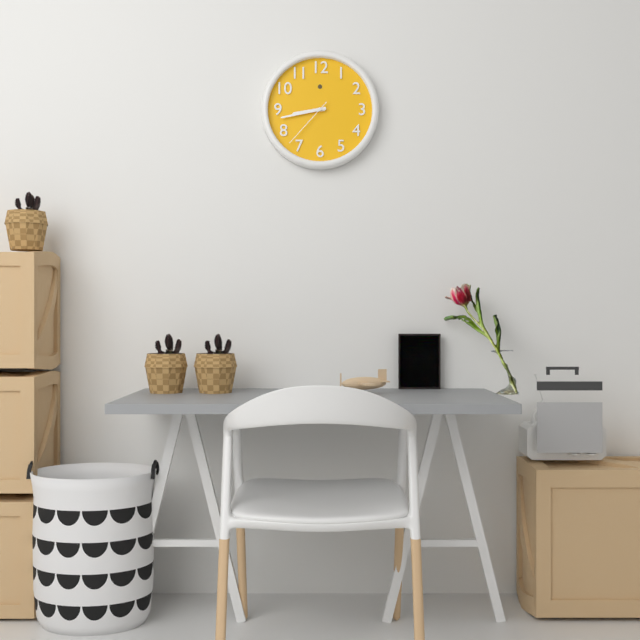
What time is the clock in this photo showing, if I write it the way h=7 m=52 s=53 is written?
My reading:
h=8 m=43 s=37
